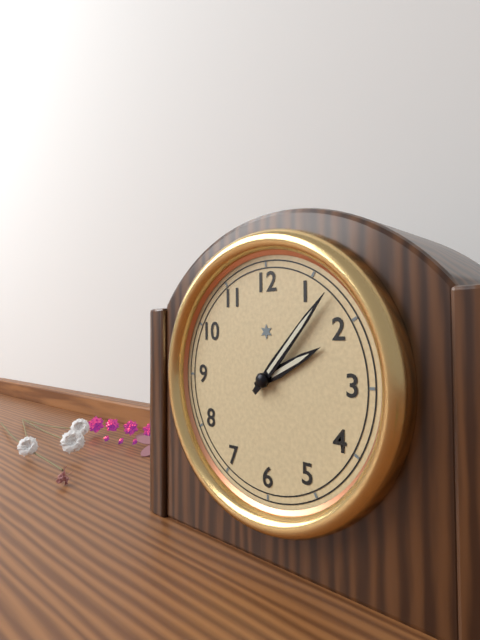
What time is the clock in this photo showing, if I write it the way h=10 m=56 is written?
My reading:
h=2 m=7
